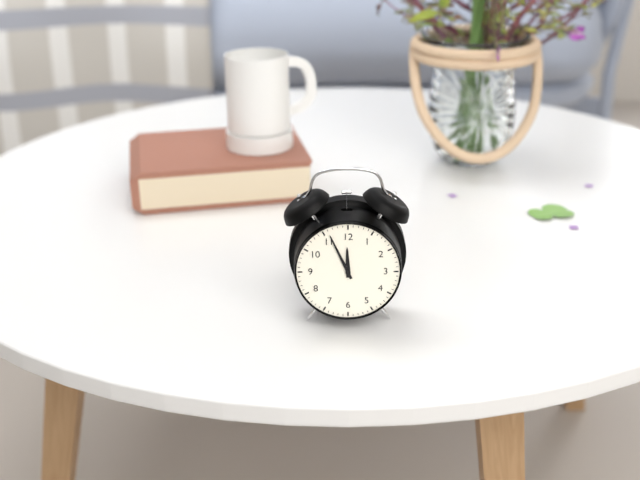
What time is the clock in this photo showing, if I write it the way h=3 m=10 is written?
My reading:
h=11 m=56
